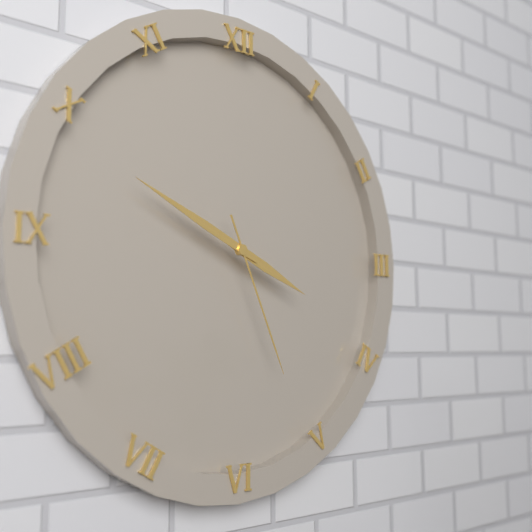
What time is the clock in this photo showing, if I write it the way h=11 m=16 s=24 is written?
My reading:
h=3 m=49 s=26
